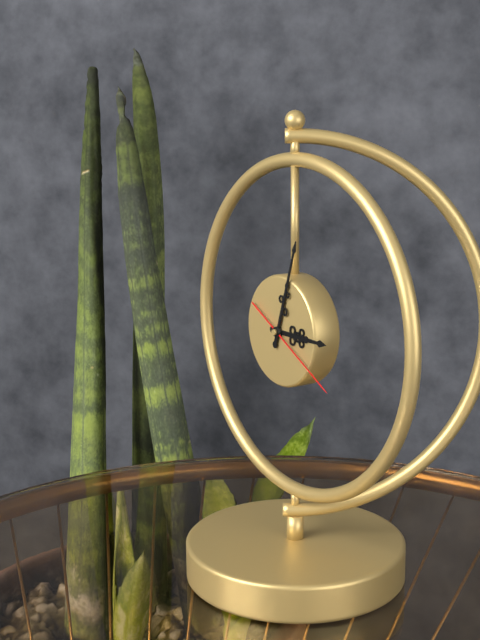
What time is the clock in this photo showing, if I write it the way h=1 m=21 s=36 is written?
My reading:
h=3 m=3 s=20
